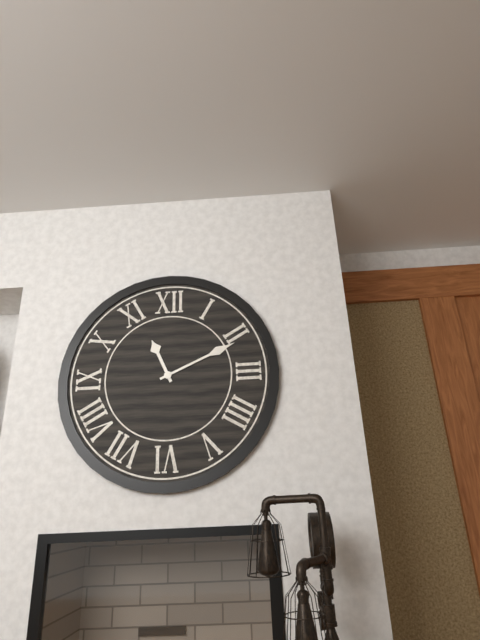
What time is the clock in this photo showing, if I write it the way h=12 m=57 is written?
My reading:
h=11 m=11
